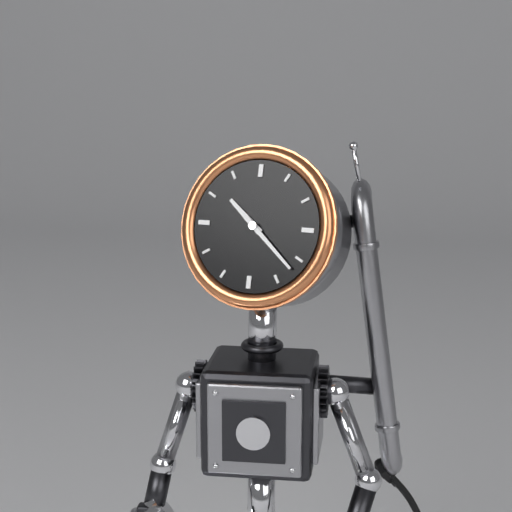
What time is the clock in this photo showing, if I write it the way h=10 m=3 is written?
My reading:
h=10 m=22
